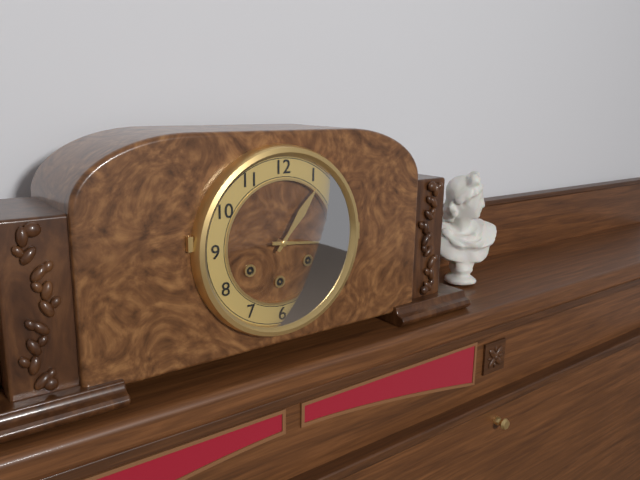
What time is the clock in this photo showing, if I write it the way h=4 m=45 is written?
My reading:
h=1 m=16
